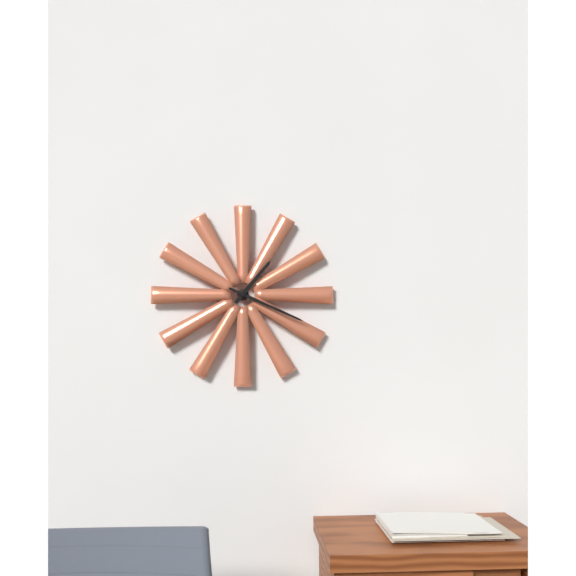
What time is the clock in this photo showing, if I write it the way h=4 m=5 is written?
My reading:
h=1 m=19
